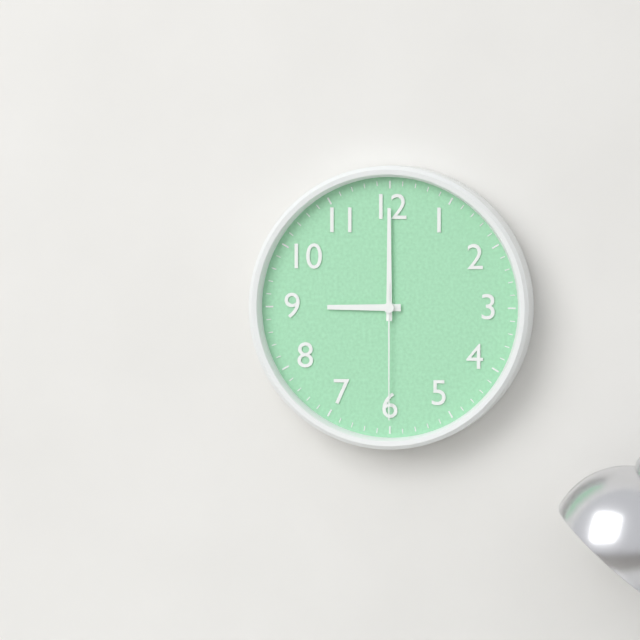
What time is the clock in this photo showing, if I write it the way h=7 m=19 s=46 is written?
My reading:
h=9 m=0 s=30
